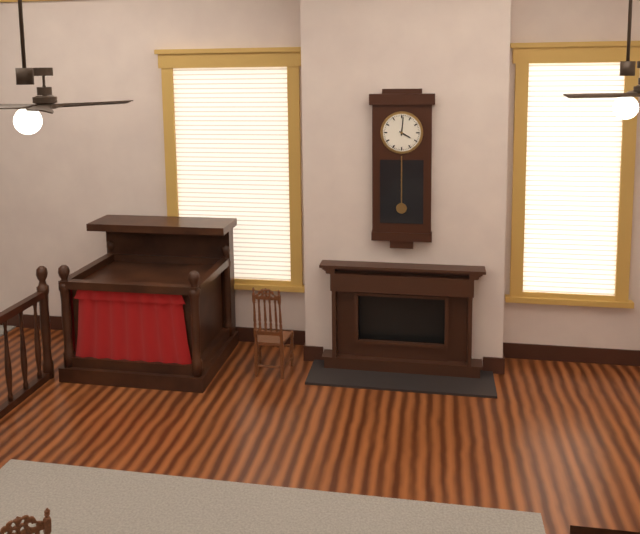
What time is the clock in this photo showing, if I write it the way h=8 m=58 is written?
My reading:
h=4 m=1
